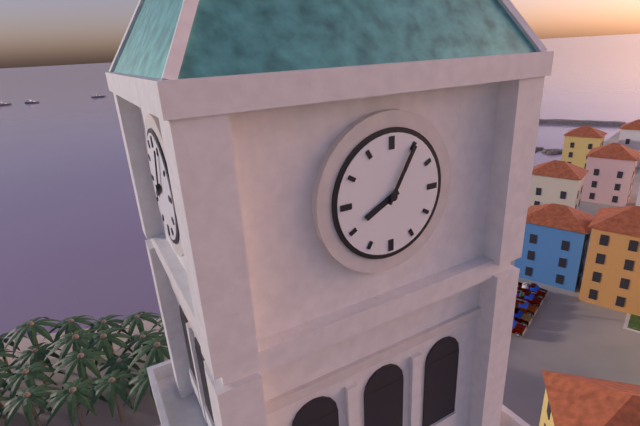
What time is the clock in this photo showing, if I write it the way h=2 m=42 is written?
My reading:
h=8 m=5
